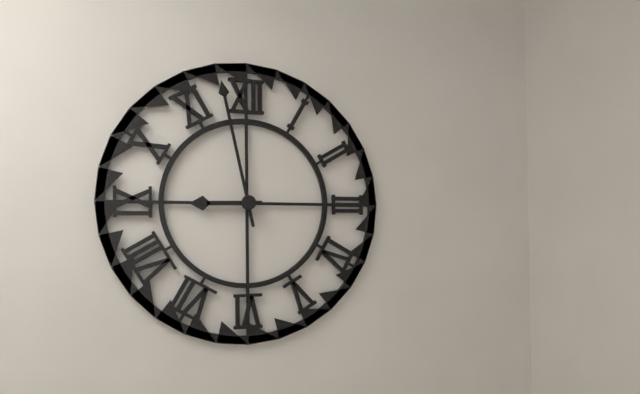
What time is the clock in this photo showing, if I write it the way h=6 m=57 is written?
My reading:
h=8 m=58
